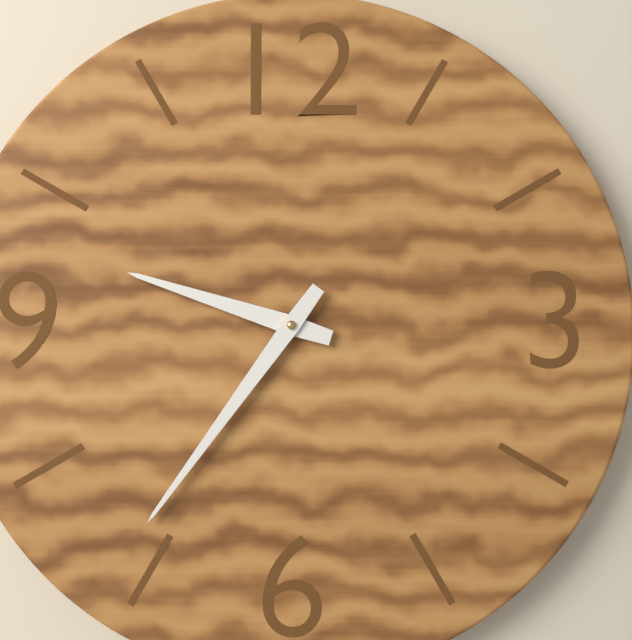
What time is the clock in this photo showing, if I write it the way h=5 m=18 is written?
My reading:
h=9 m=36
